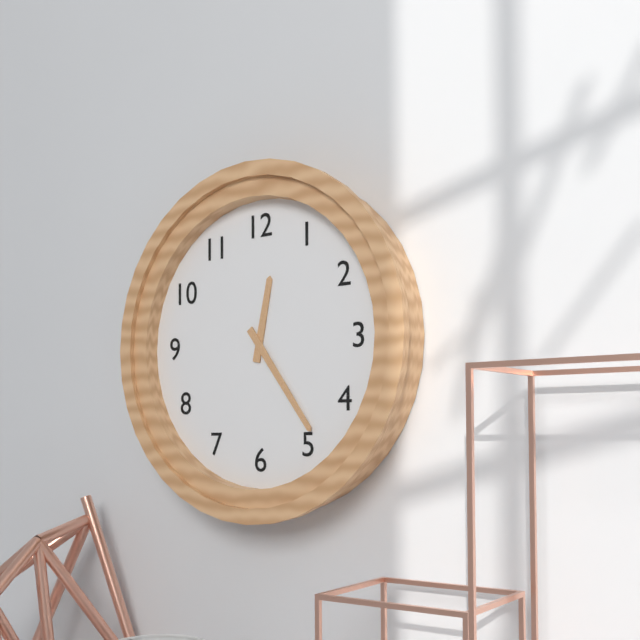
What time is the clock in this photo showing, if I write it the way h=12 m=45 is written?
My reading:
h=12 m=24
